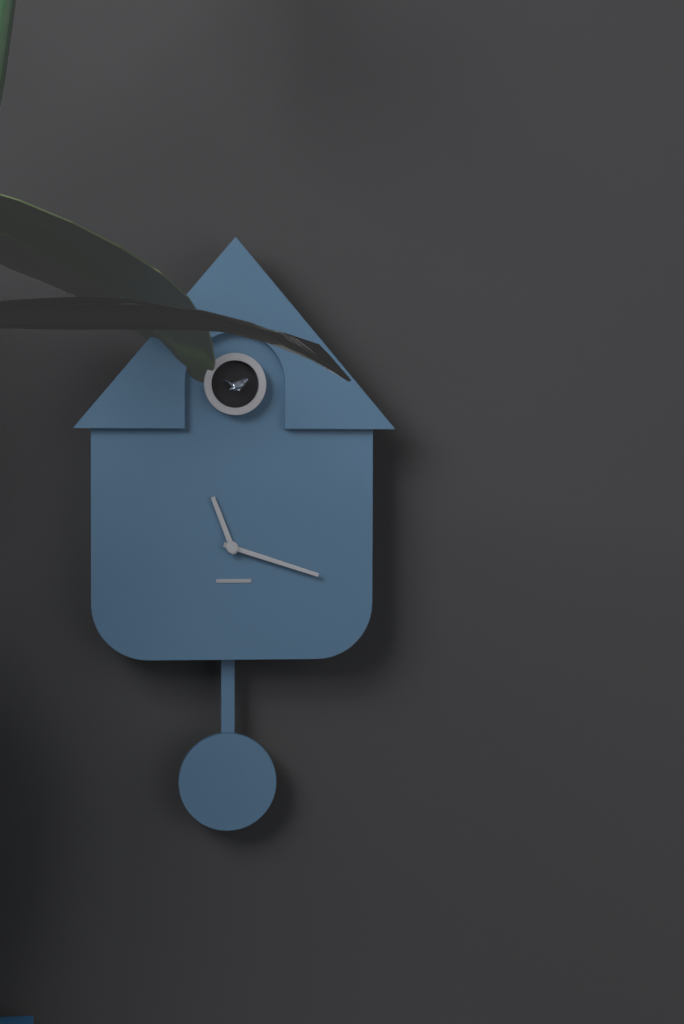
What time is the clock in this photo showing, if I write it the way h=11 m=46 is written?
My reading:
h=11 m=18
